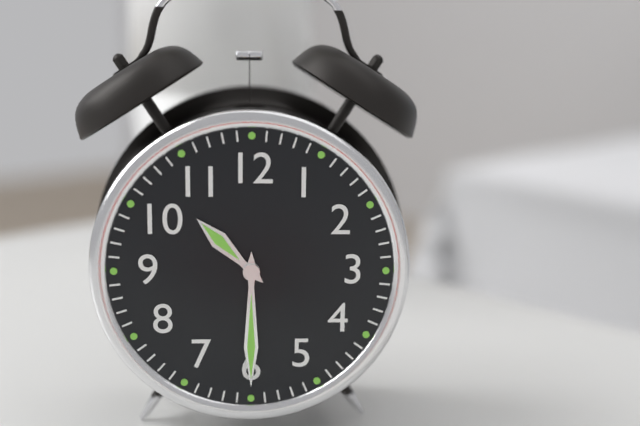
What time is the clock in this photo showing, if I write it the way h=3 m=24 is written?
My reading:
h=10 m=30
